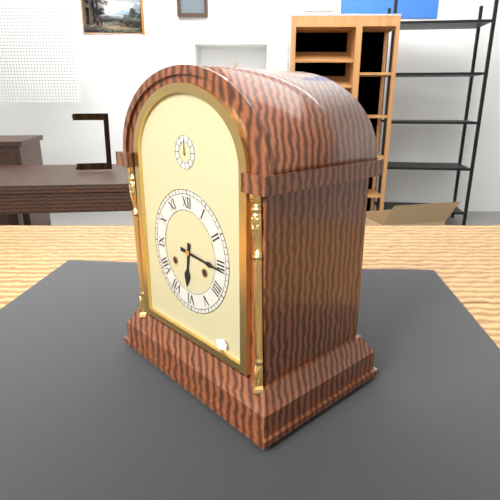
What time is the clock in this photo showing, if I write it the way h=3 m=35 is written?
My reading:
h=6 m=16
